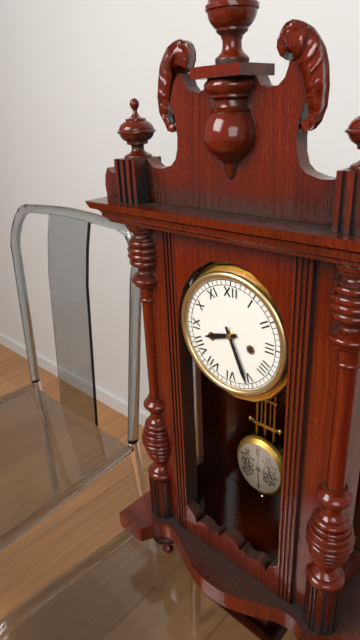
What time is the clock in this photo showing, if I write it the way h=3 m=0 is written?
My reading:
h=8 m=26
